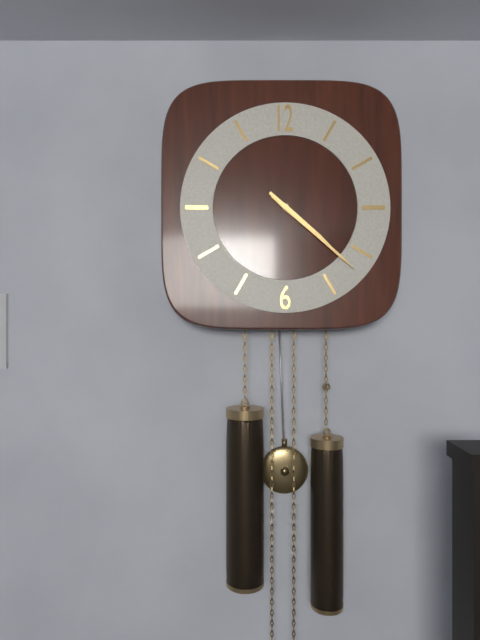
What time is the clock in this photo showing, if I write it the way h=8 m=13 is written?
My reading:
h=4 m=22
